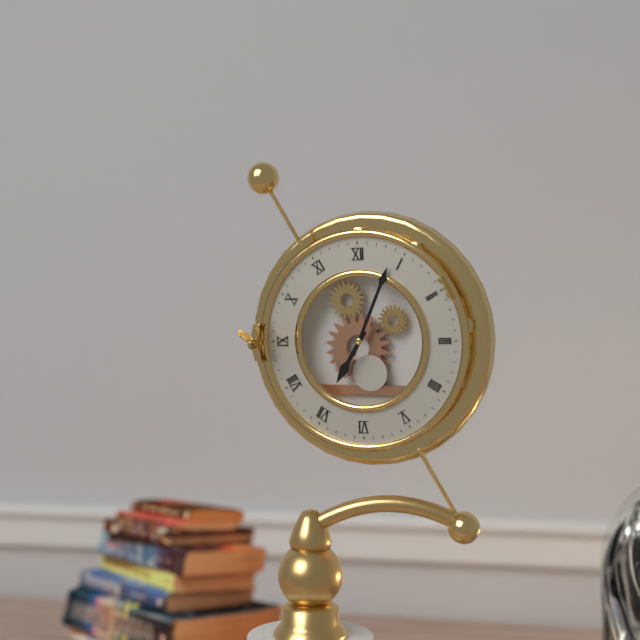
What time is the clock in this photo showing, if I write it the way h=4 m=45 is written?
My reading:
h=7 m=4
